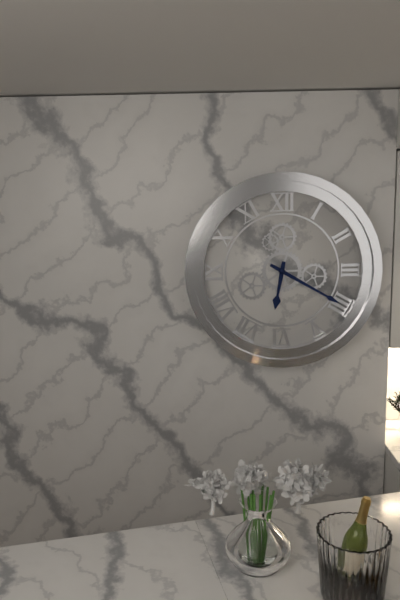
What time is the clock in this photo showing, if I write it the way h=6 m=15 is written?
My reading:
h=6 m=20
